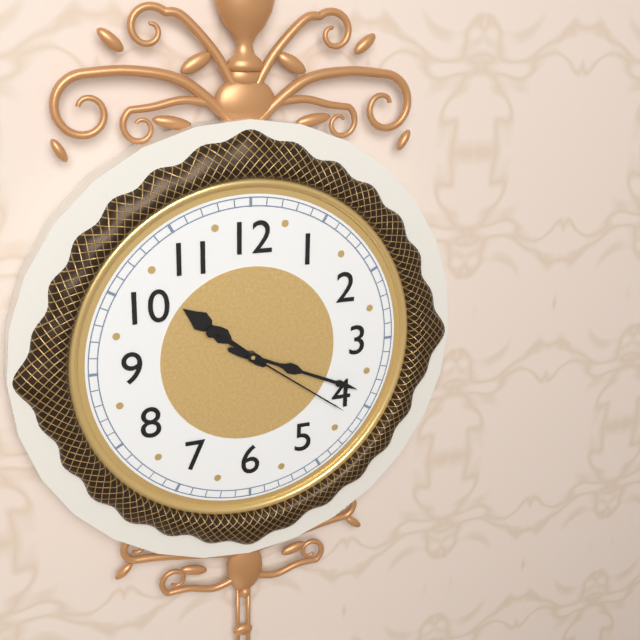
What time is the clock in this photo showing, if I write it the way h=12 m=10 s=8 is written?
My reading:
h=10 m=19 s=21
